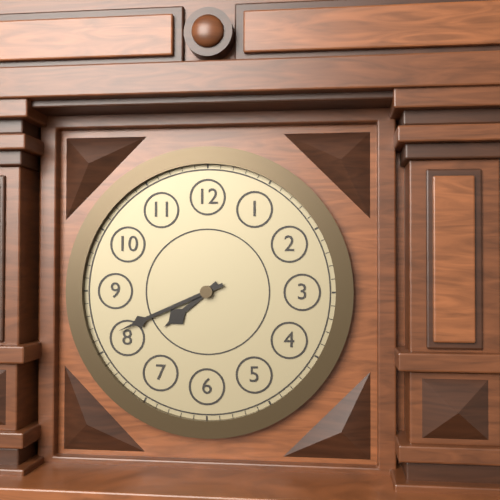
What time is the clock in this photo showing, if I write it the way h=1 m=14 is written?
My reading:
h=7 m=41
